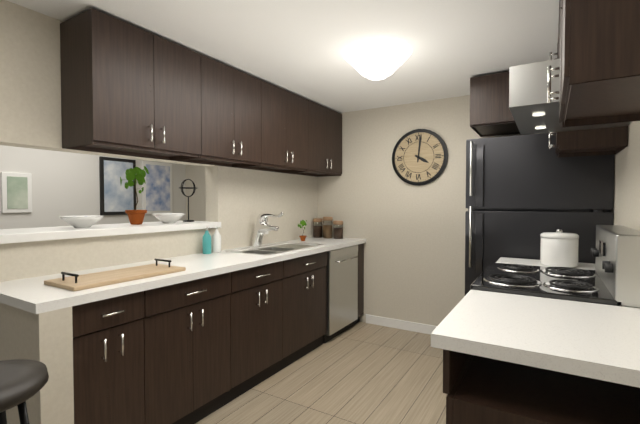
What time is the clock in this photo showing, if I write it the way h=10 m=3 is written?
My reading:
h=4 m=1
